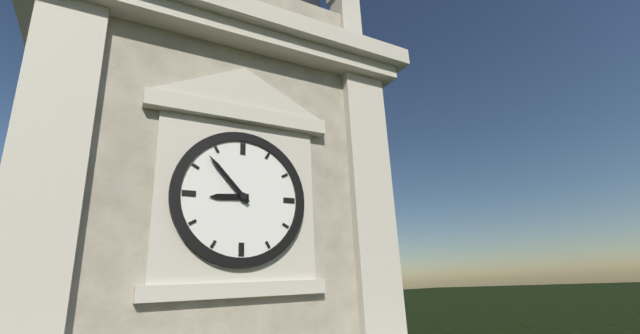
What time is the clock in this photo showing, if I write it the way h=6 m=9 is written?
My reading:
h=8 m=53
